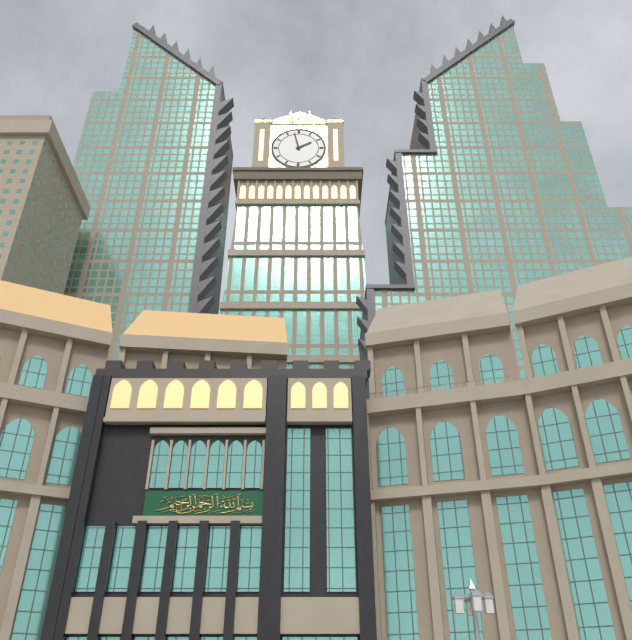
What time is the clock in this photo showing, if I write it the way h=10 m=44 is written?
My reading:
h=1 m=58
